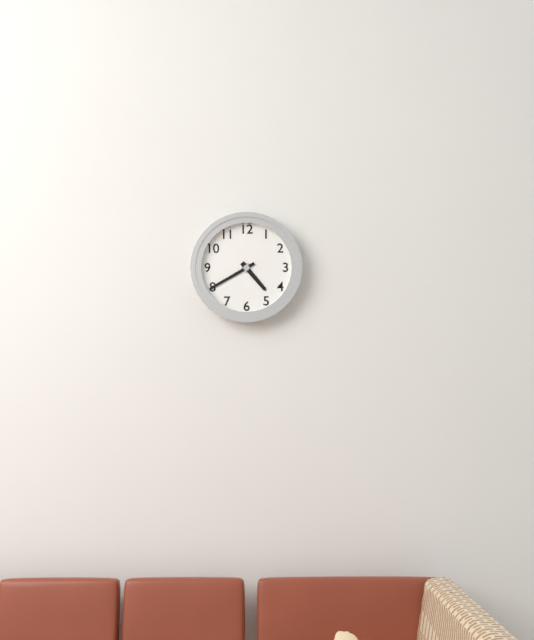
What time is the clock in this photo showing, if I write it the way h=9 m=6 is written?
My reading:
h=4 m=40
